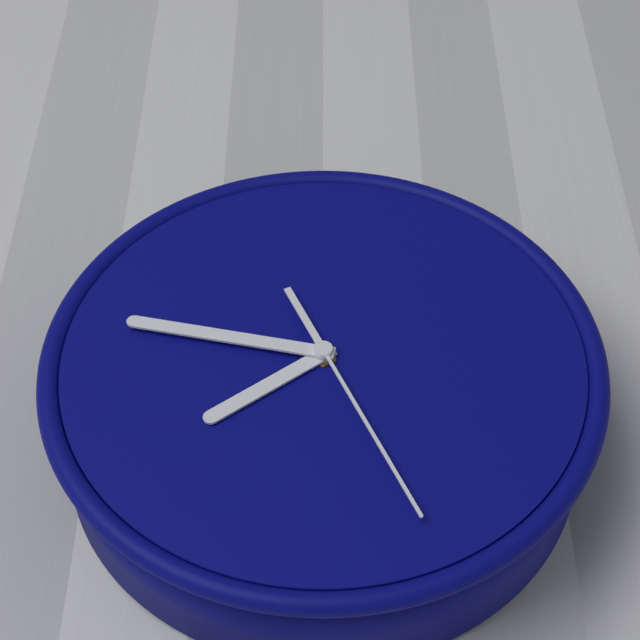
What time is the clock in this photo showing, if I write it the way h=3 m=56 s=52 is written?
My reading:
h=7 m=47 s=26
